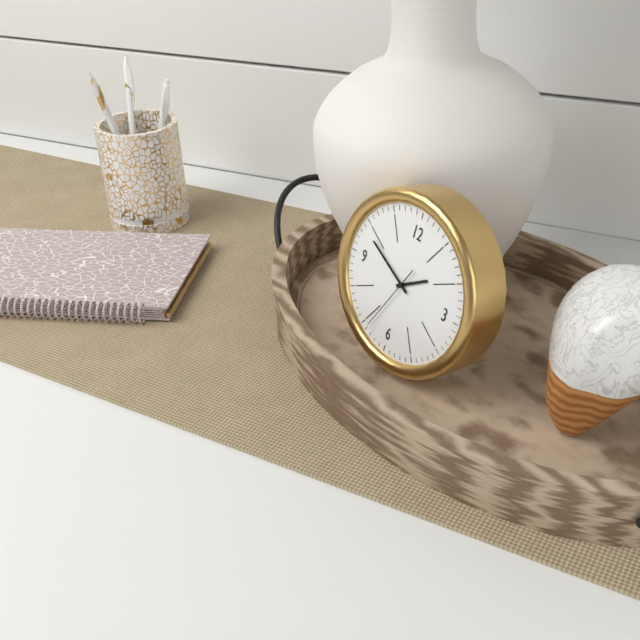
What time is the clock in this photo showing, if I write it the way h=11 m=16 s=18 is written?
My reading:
h=1 m=49 s=34
